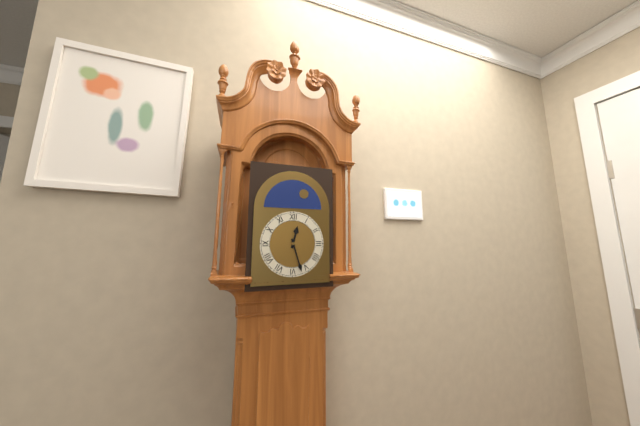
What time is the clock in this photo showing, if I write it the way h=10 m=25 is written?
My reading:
h=12 m=27
